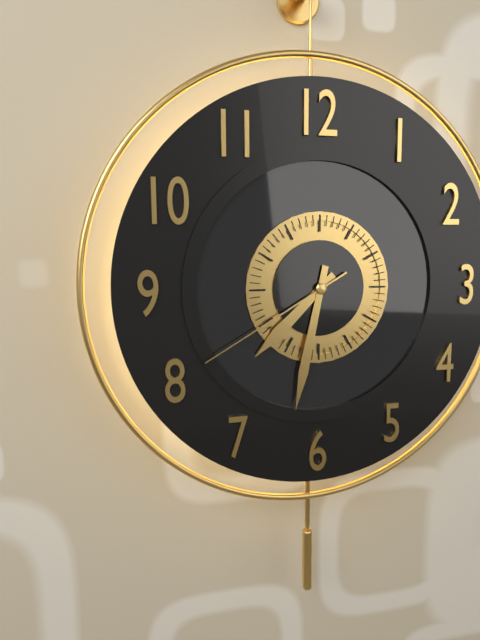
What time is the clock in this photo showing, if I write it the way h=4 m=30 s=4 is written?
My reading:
h=7 m=32 s=40
